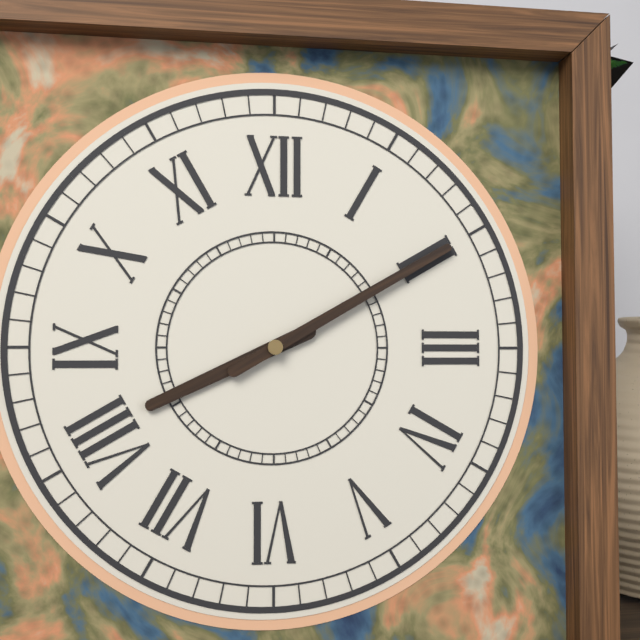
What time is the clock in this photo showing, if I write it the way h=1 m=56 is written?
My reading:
h=8 m=10
